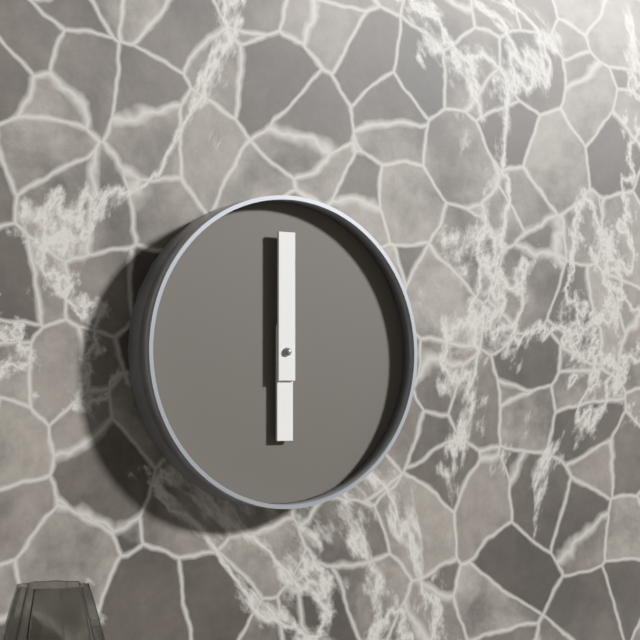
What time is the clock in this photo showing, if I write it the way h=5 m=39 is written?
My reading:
h=6 m=0
